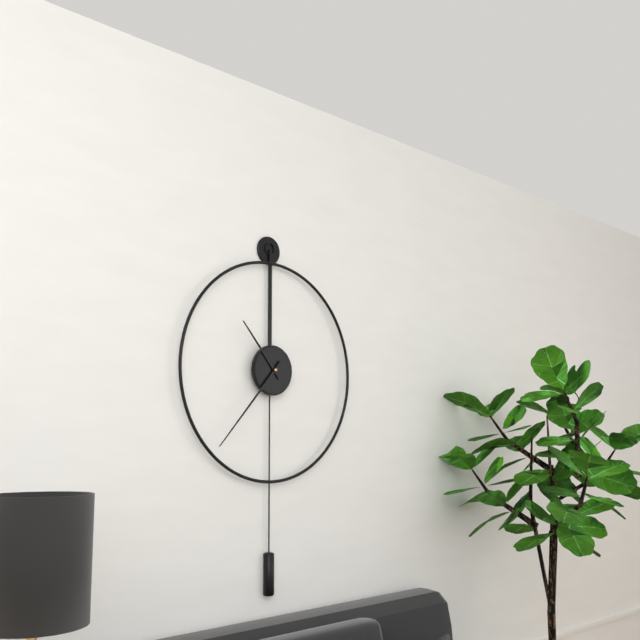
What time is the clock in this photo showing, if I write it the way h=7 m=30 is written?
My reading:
h=10 m=37
